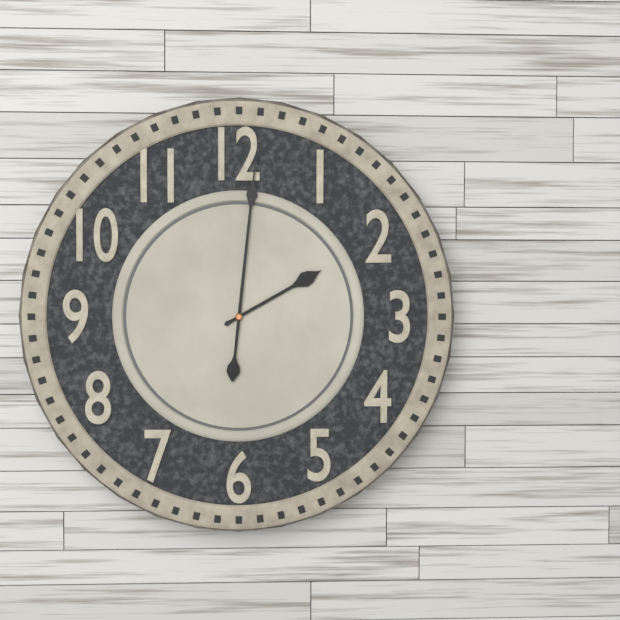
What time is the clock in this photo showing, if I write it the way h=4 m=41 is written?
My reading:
h=2 m=1
